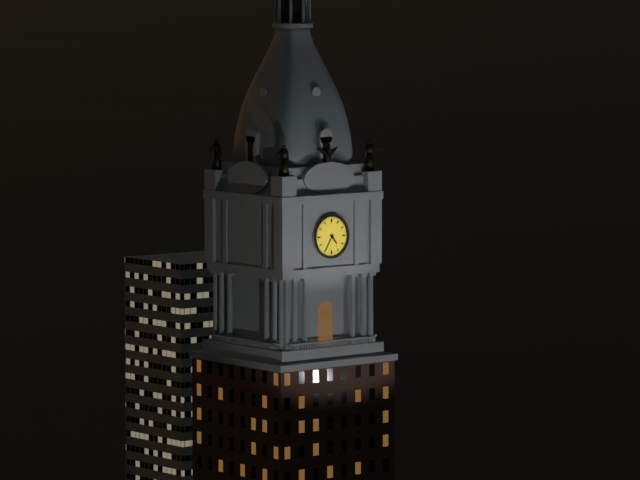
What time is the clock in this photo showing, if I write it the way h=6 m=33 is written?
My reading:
h=4 m=35
